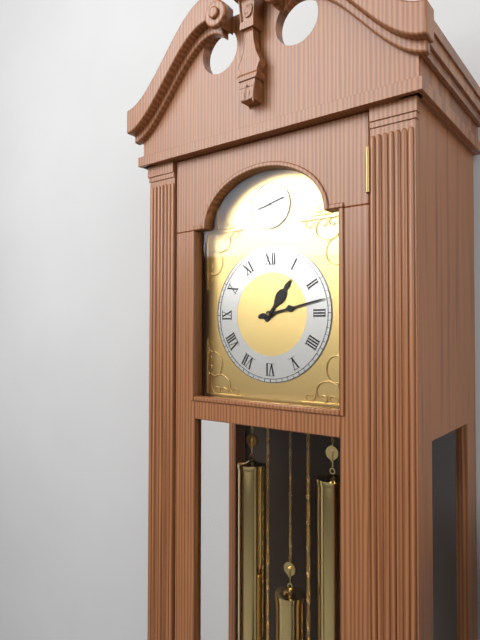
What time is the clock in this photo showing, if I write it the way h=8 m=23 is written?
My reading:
h=1 m=13
